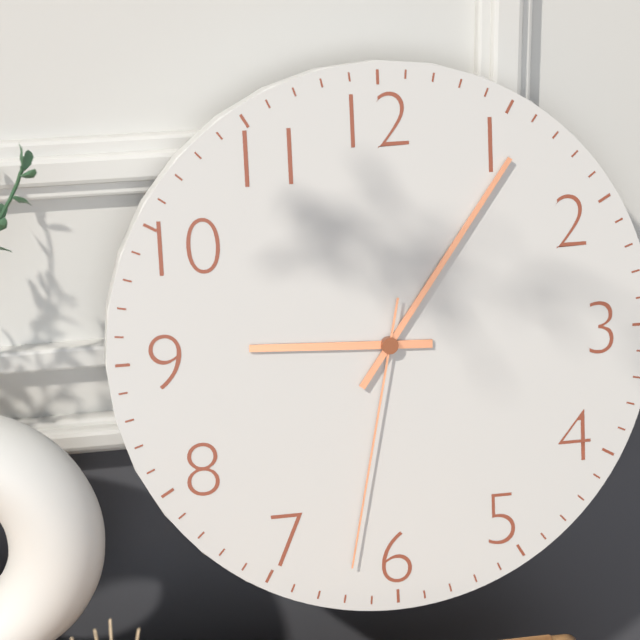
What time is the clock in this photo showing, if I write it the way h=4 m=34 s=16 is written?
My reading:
h=9 m=6 s=32
